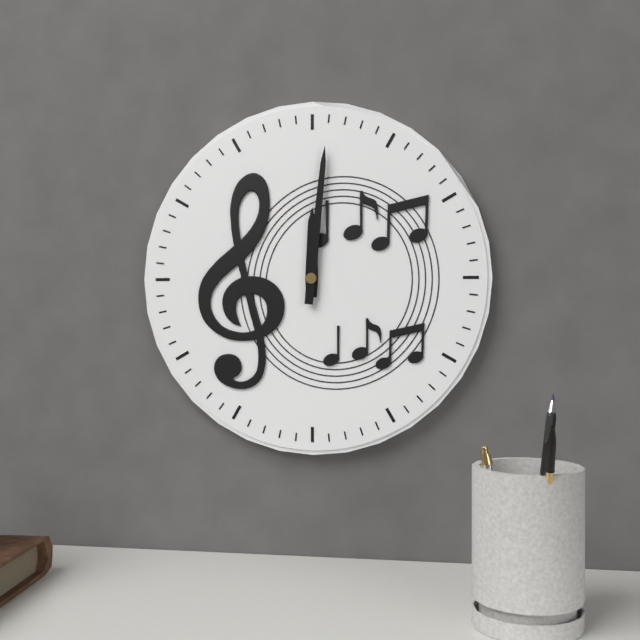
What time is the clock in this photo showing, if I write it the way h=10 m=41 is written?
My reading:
h=12 m=1
